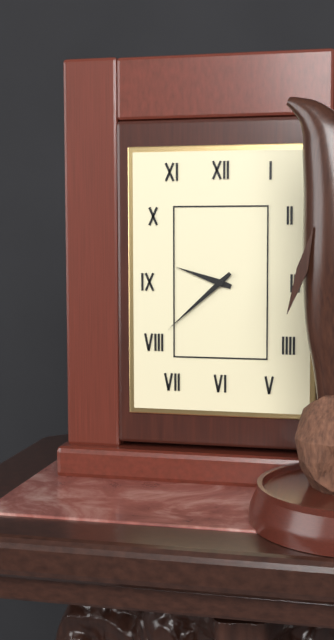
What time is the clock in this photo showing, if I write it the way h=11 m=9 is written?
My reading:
h=9 m=38
